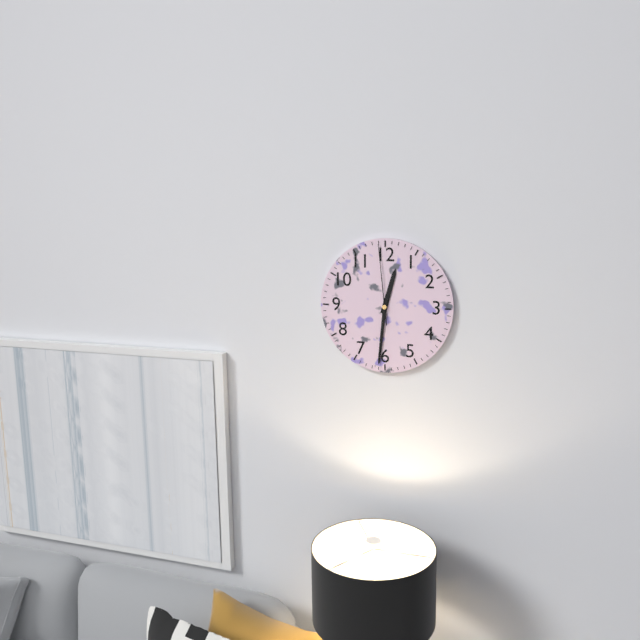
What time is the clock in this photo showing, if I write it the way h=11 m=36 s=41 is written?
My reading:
h=12 m=31 s=59
